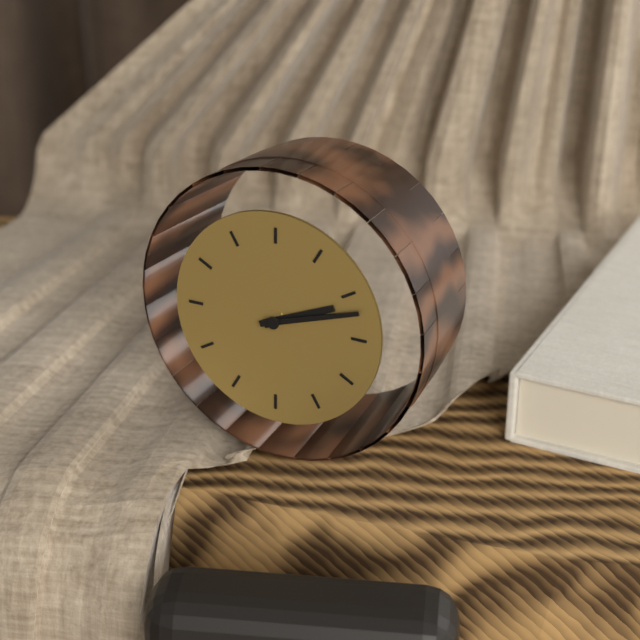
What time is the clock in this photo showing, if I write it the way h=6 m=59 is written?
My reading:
h=2 m=12
